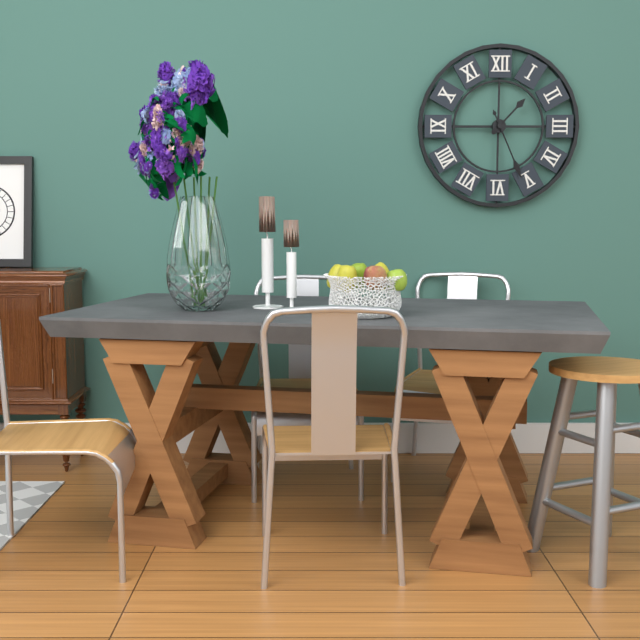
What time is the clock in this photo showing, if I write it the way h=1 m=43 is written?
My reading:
h=1 m=26
